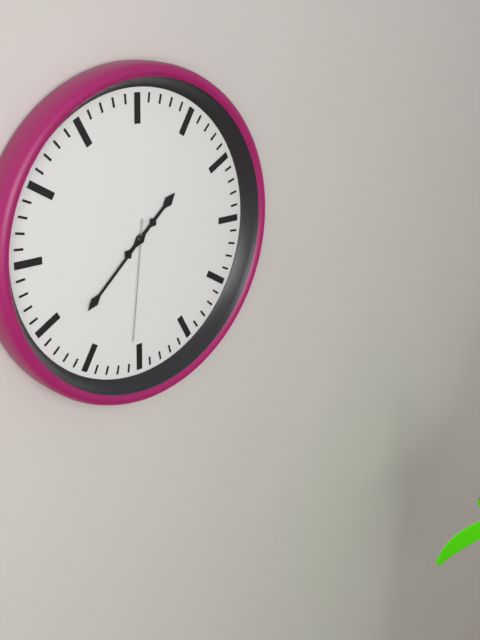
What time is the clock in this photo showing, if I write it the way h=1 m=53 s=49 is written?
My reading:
h=1 m=38 s=31
